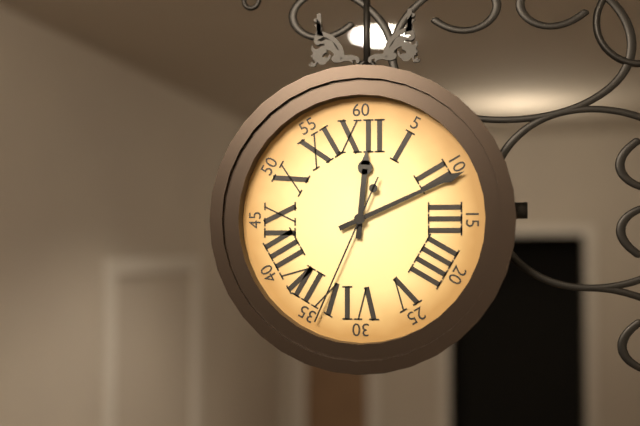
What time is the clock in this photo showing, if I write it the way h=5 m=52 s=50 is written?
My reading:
h=12 m=11 s=34
